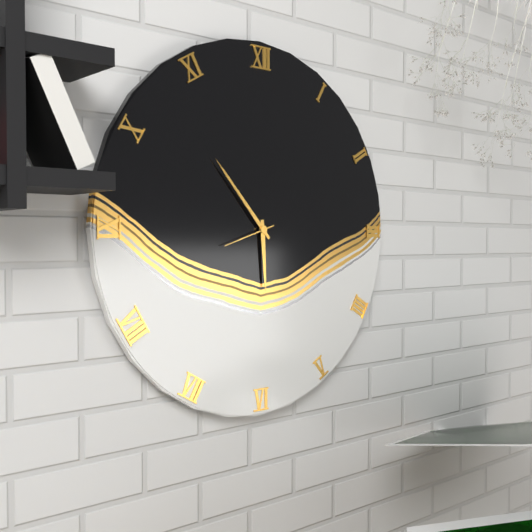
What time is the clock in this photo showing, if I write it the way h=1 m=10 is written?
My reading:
h=5 m=53
